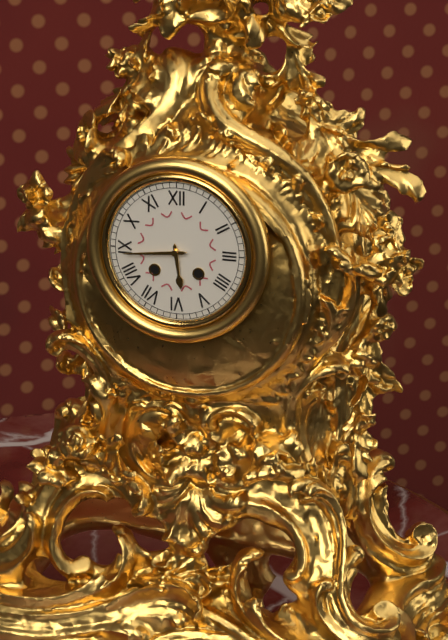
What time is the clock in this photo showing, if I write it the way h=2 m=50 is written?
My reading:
h=5 m=44
